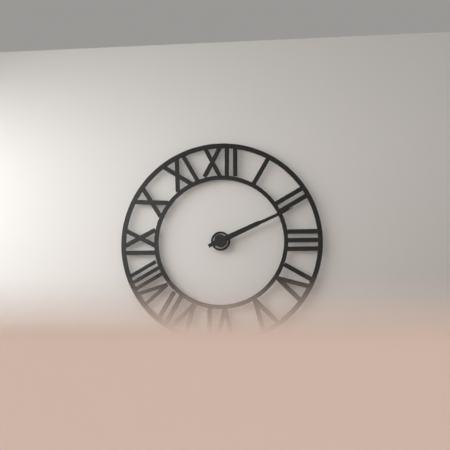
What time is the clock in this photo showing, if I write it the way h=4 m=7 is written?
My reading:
h=2 m=11
